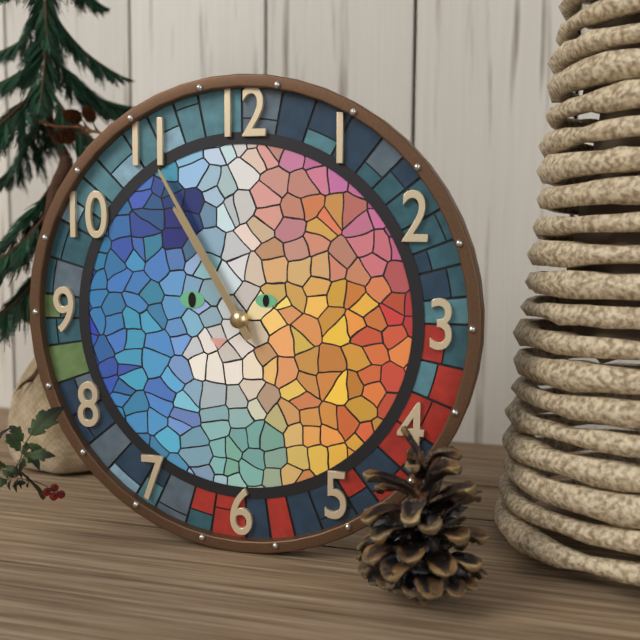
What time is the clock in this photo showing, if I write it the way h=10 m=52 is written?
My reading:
h=10 m=55
